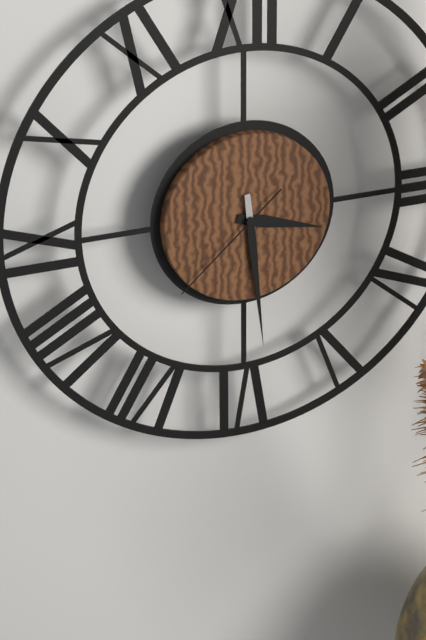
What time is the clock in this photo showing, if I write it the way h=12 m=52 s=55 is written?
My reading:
h=3 m=29 s=38
